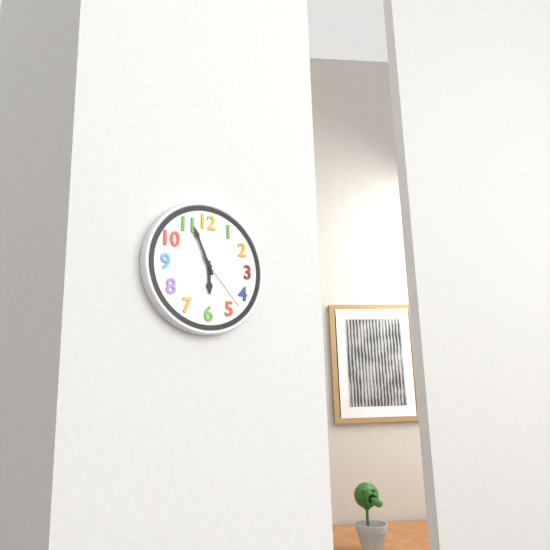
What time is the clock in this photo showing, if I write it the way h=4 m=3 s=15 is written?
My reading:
h=5 m=56 s=23
